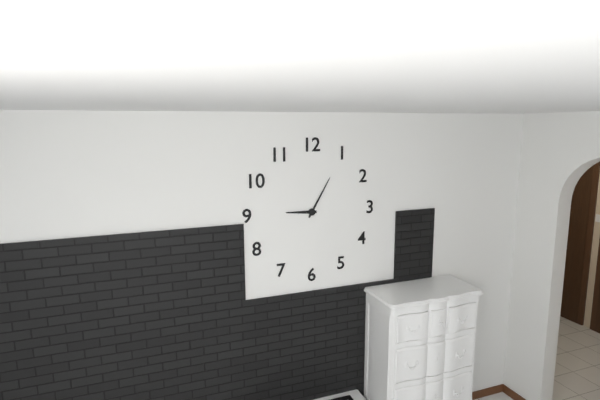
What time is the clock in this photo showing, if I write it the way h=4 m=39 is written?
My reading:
h=9 m=5
